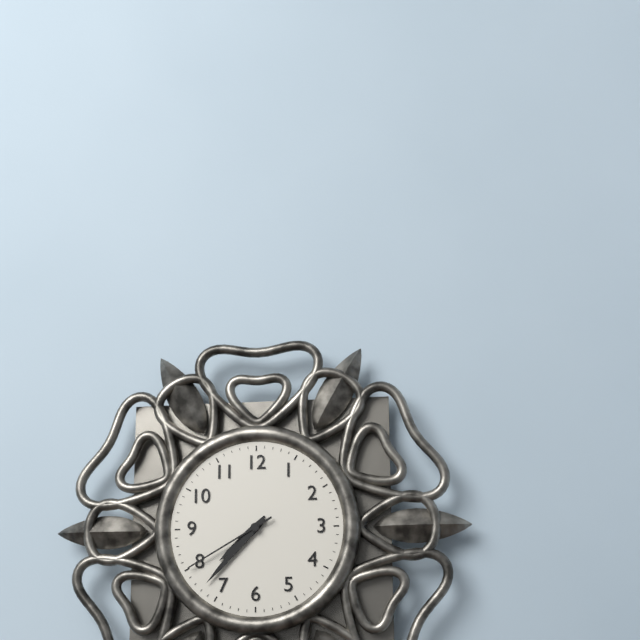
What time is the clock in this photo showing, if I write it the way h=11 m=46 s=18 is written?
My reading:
h=7 m=37 s=40
